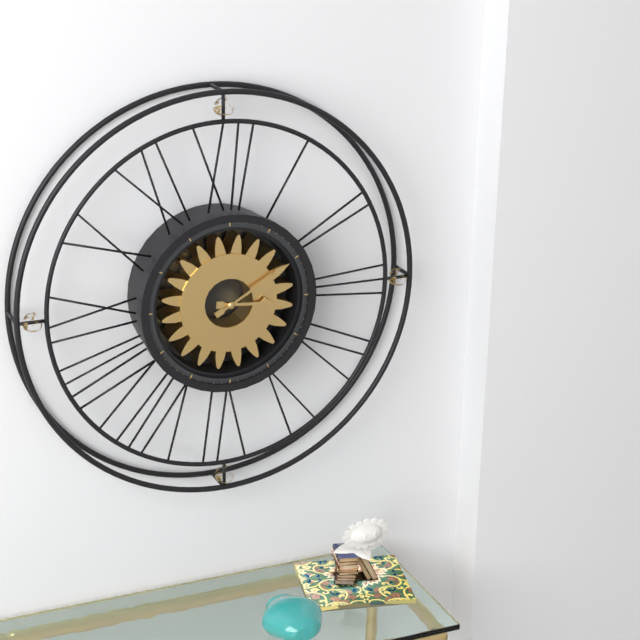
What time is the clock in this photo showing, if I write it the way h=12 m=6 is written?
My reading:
h=3 m=10
